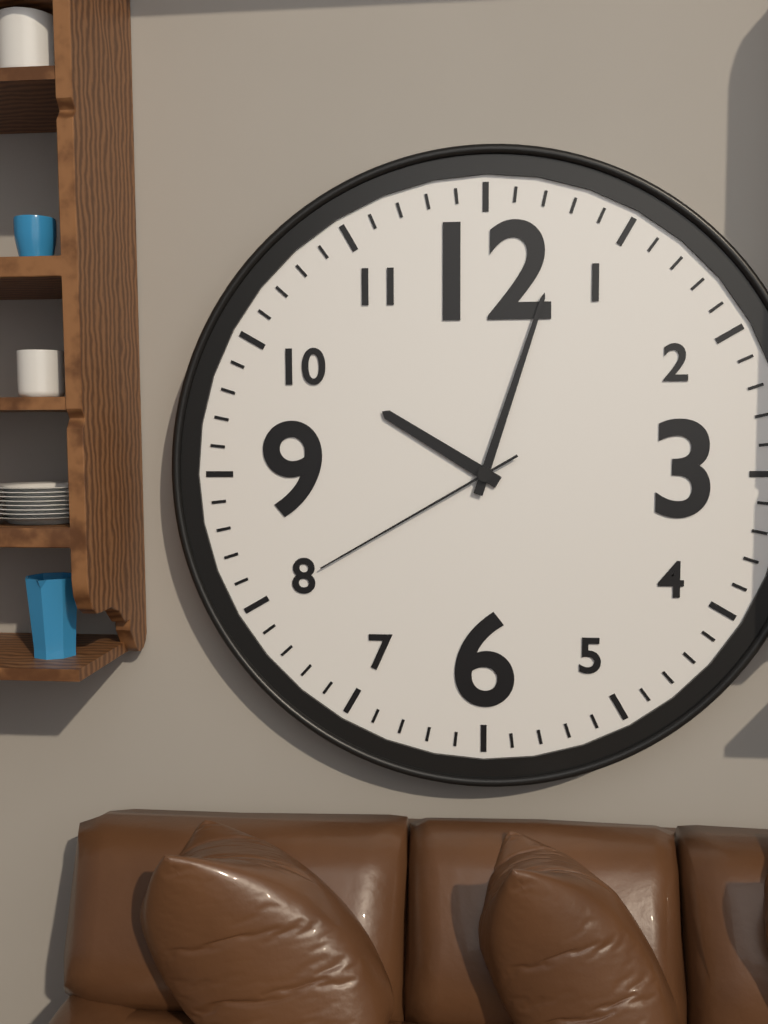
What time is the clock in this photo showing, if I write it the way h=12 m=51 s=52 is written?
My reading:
h=10 m=3 s=40
